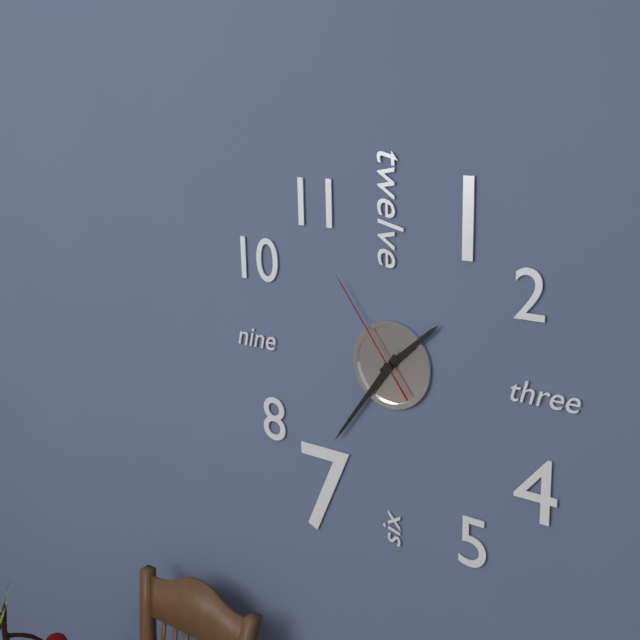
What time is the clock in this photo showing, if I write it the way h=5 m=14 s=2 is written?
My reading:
h=1 m=36 s=54
